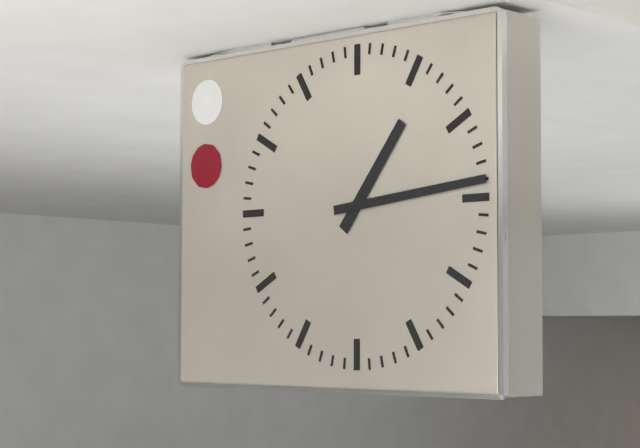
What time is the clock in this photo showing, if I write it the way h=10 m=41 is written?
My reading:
h=1 m=14
